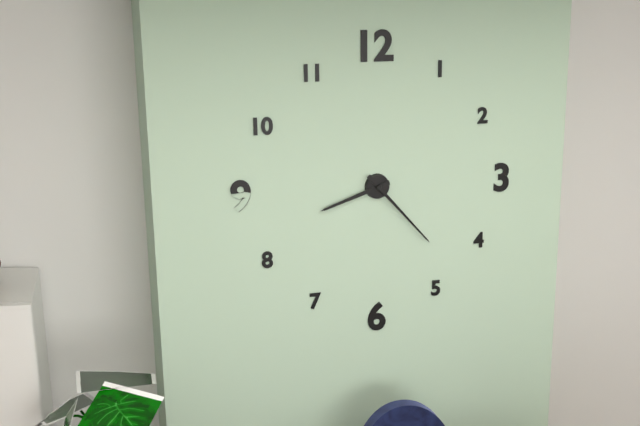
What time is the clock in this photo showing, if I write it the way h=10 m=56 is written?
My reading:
h=8 m=23
